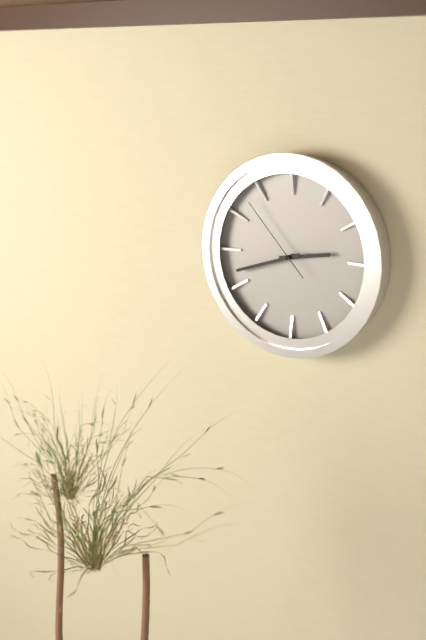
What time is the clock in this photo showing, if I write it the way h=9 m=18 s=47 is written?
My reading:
h=2 m=42 s=53
